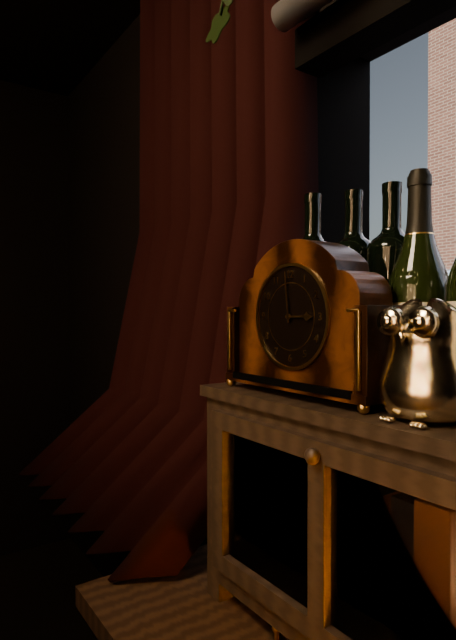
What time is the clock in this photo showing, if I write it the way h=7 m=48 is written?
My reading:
h=2 m=59
